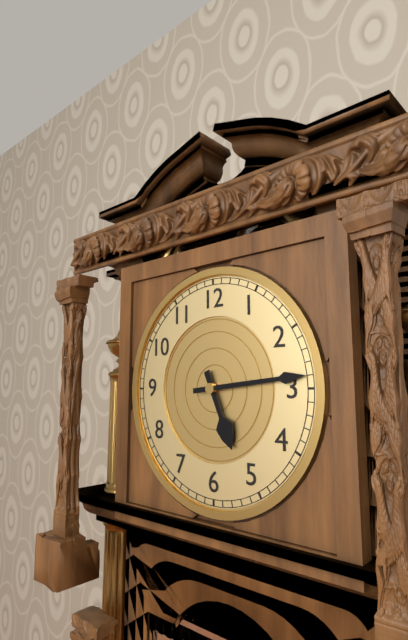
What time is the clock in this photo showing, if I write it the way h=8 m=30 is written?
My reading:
h=5 m=14
